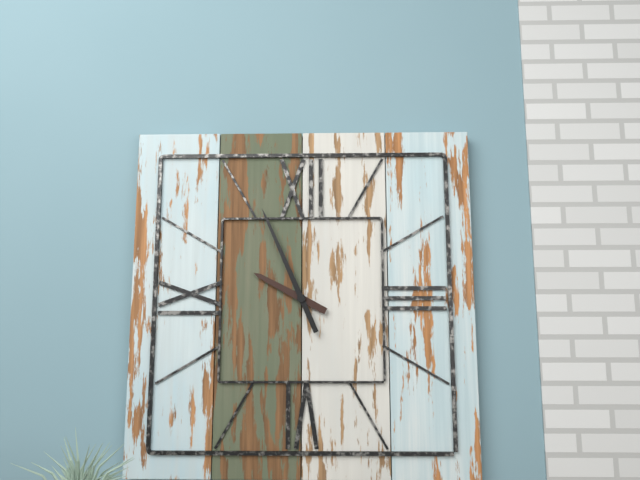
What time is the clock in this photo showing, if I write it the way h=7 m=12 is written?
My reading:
h=9 m=56
